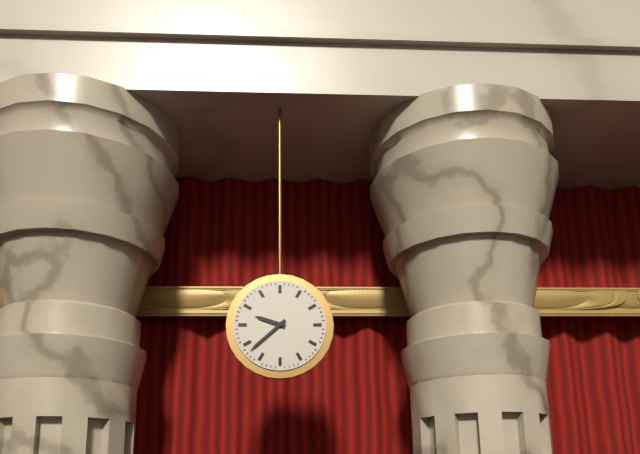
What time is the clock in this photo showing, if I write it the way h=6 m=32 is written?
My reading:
h=9 m=38
